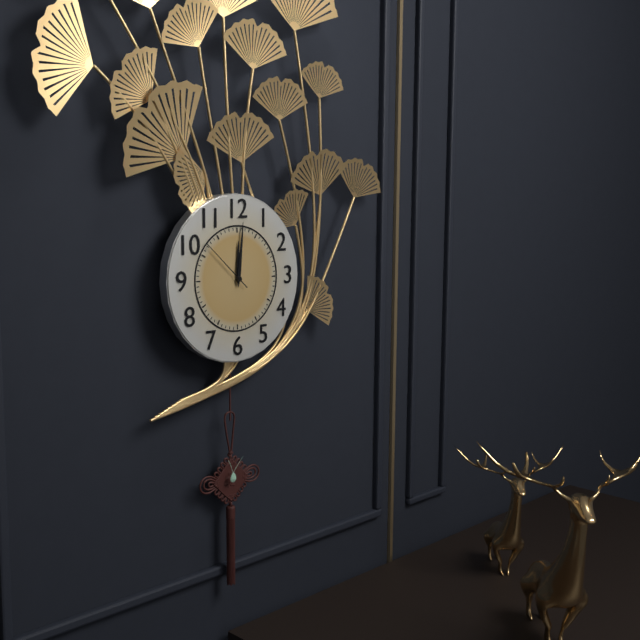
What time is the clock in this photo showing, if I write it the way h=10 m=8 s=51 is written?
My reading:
h=12 m=1 s=52
